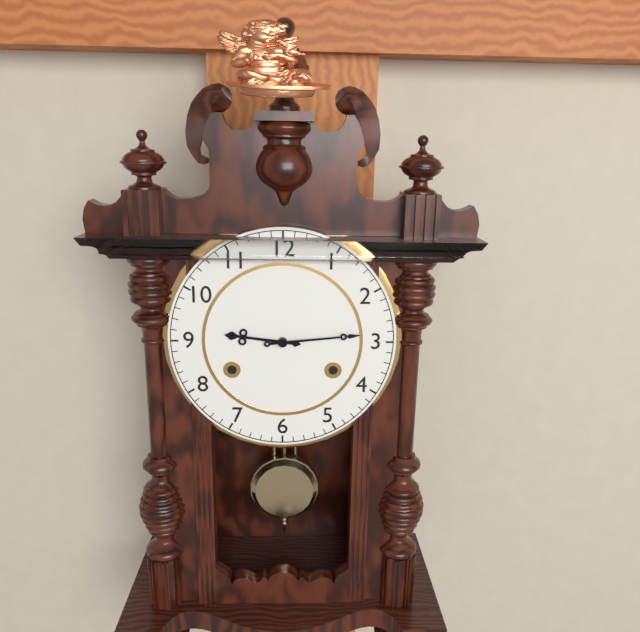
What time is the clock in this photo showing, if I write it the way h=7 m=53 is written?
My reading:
h=9 m=14
